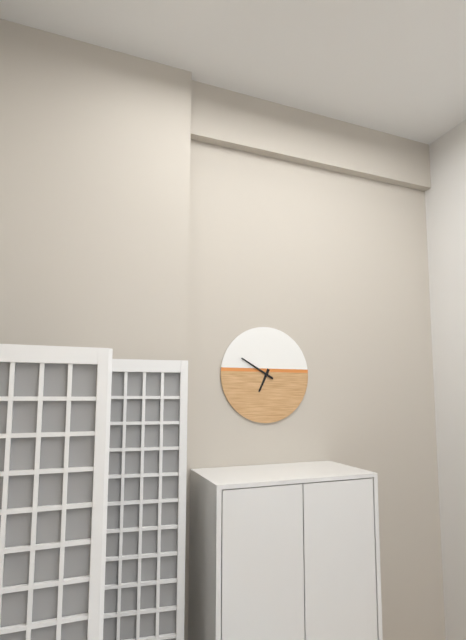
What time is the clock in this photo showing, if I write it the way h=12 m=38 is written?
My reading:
h=6 m=50
